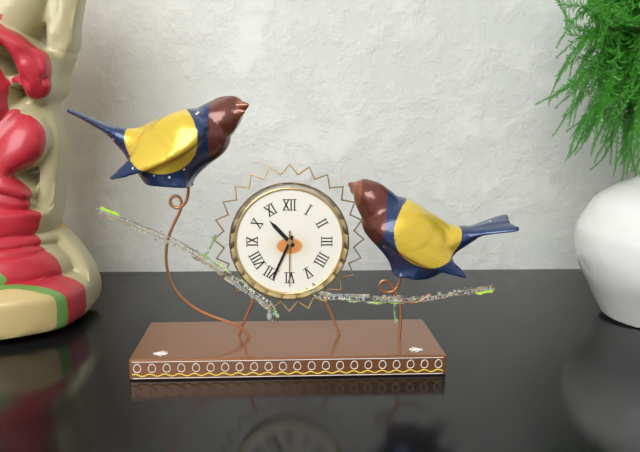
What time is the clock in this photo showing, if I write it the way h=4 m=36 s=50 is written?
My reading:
h=10 m=34 s=30
